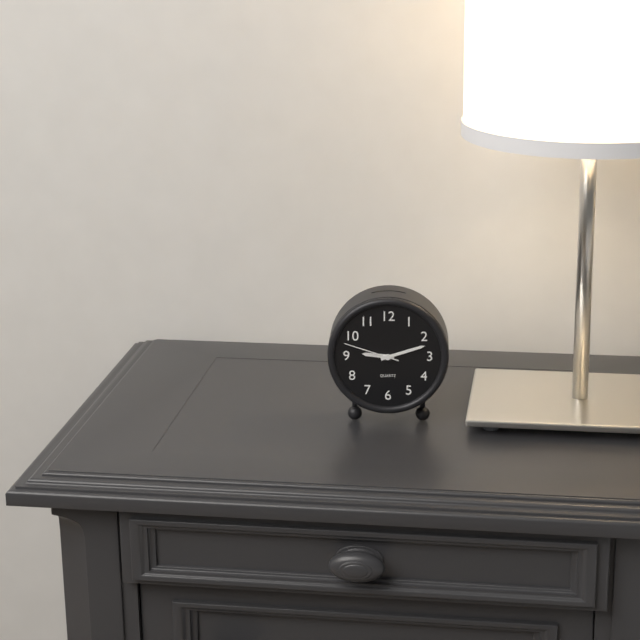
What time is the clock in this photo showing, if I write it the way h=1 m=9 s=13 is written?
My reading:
h=9 m=12 s=48
